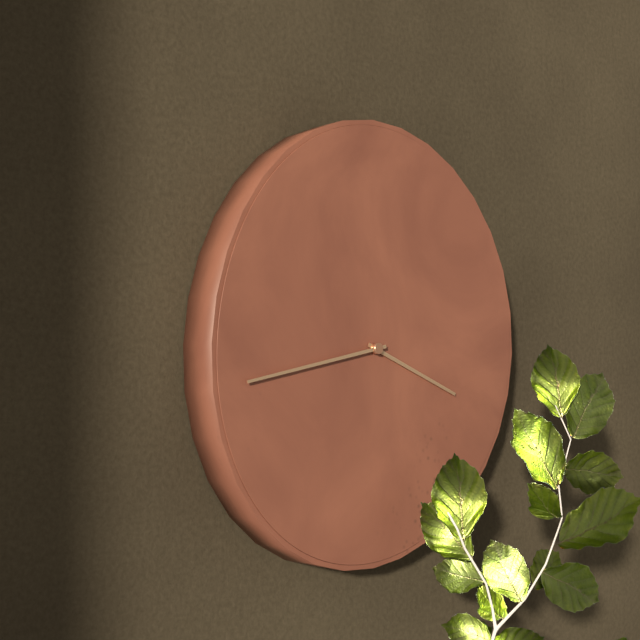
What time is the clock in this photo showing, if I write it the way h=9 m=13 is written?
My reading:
h=3 m=43
